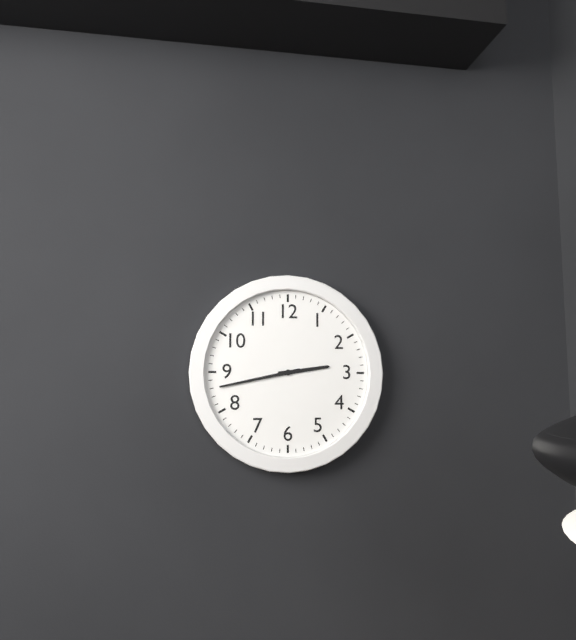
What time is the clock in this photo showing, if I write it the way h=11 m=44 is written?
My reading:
h=2 m=43
